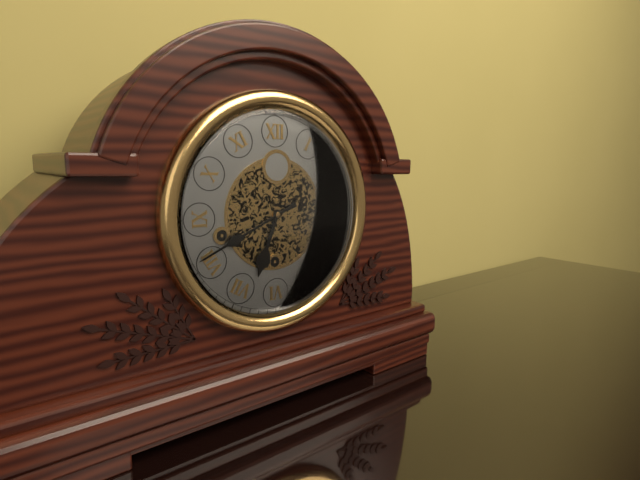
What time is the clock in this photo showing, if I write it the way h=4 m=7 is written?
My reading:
h=6 m=41
